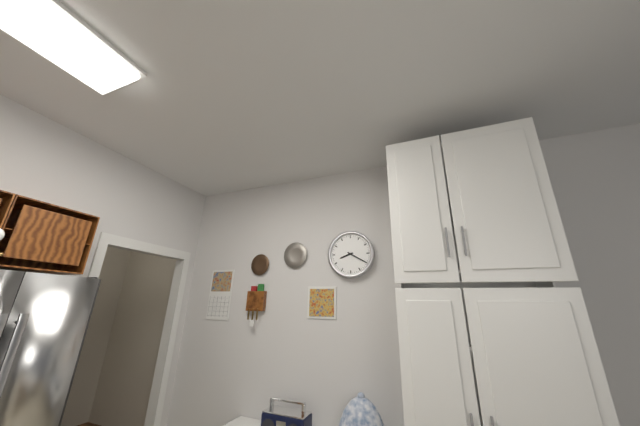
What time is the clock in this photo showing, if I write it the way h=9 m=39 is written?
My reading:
h=8 m=20
